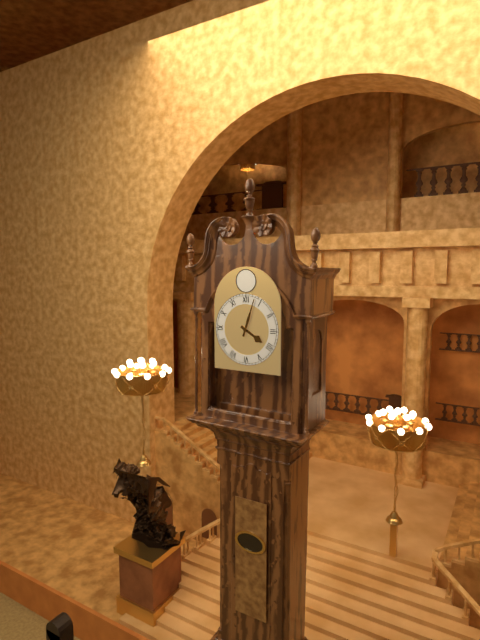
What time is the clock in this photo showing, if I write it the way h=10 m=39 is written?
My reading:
h=4 m=3
